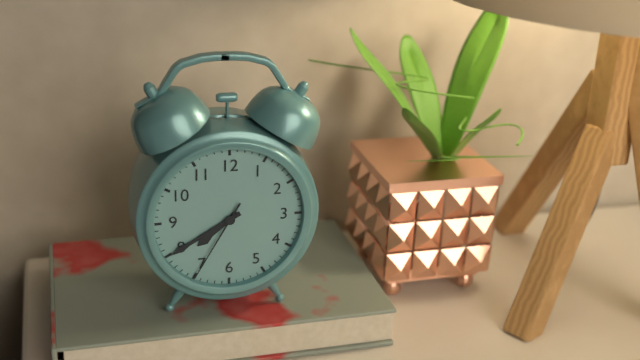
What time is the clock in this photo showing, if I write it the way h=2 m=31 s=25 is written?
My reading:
h=7 m=40 s=35
